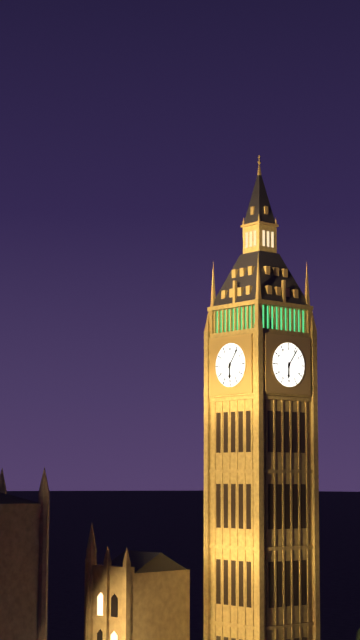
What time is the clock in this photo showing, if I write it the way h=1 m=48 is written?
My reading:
h=6 m=6
